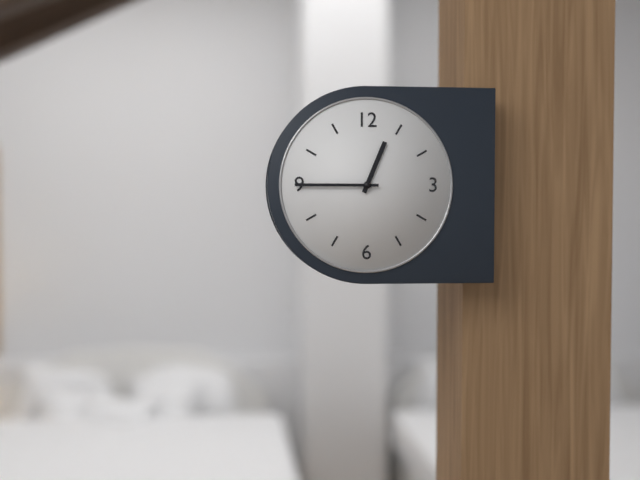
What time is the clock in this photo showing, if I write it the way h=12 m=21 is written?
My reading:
h=12 m=45
